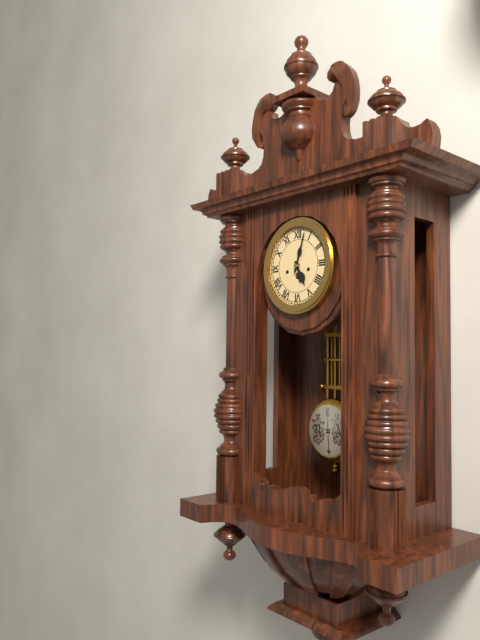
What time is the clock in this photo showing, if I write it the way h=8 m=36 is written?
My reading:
h=5 m=3
